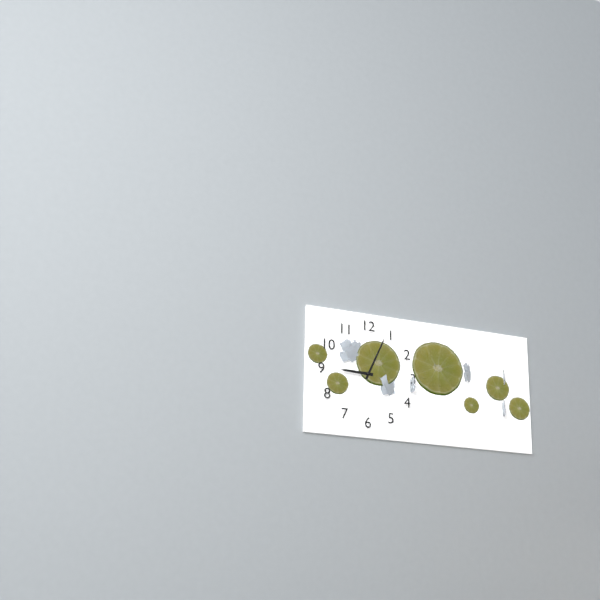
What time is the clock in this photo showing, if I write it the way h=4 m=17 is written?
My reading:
h=9 m=4
